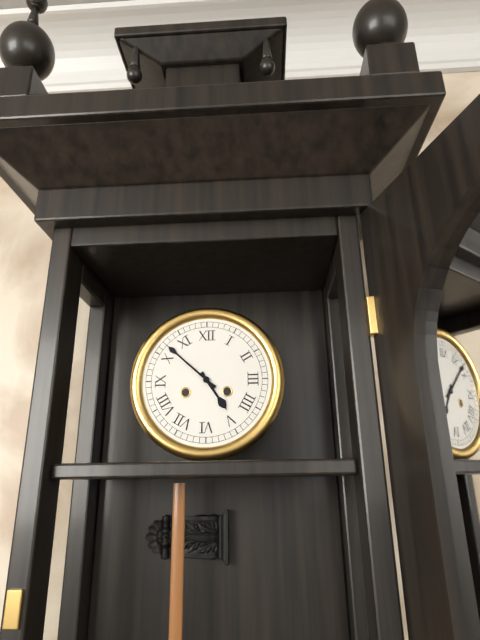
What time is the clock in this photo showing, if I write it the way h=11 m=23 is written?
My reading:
h=4 m=52
